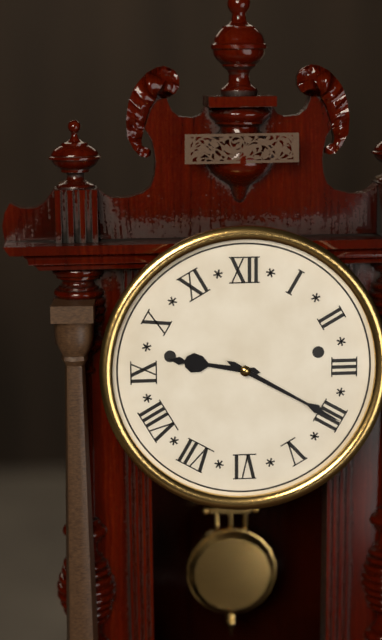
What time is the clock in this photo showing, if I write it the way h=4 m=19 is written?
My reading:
h=9 m=20
